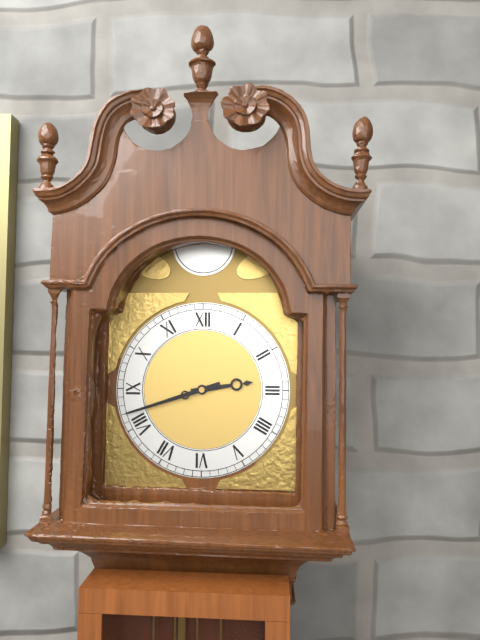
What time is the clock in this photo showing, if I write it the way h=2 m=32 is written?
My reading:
h=2 m=42
